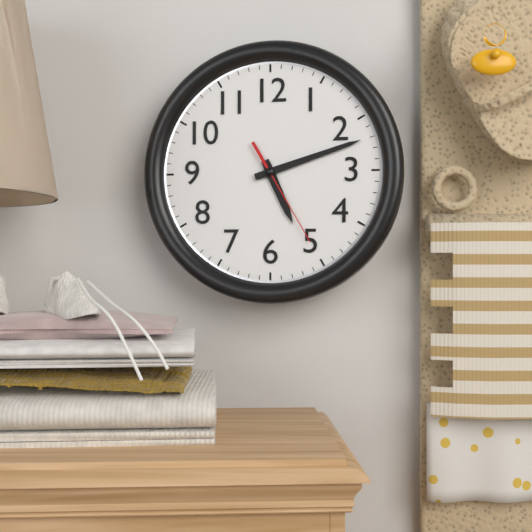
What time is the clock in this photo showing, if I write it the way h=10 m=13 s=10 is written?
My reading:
h=5 m=12 s=25
